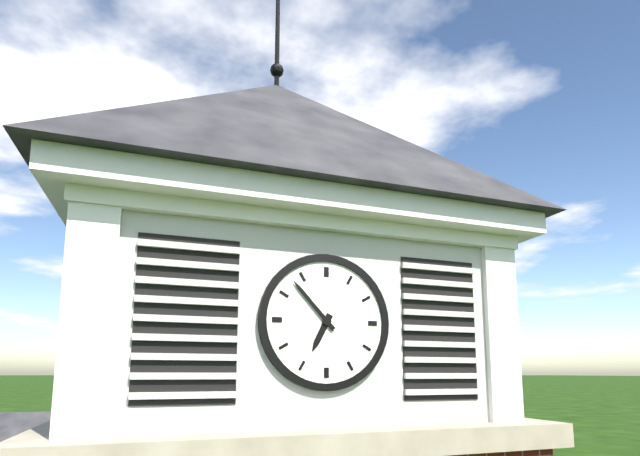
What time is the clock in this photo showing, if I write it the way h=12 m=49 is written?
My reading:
h=6 m=53
